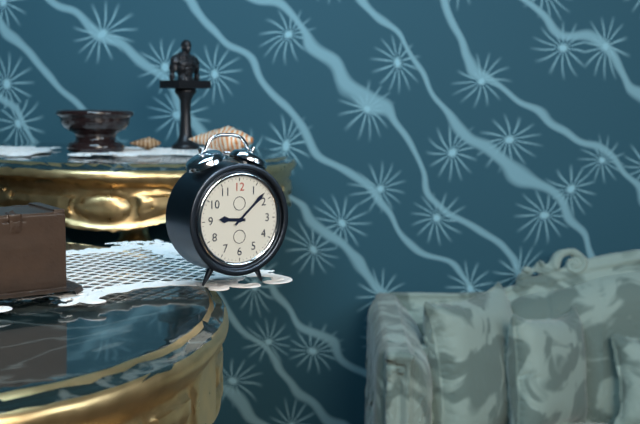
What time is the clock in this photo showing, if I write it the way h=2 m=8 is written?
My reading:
h=9 m=8
